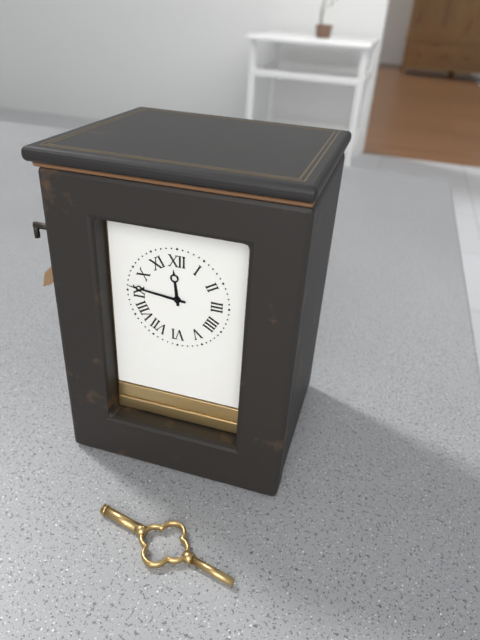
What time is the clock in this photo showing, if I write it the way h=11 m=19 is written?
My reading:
h=11 m=46
